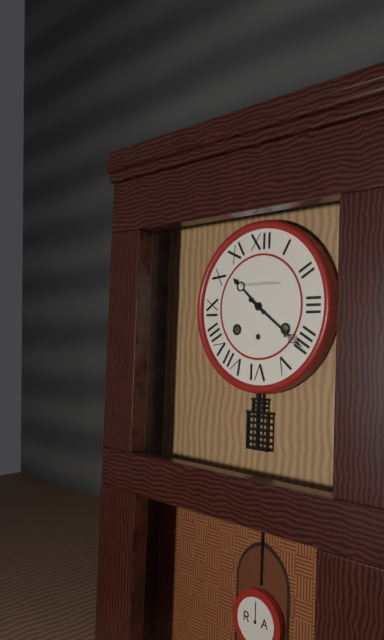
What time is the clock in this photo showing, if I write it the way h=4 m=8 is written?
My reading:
h=10 m=21
